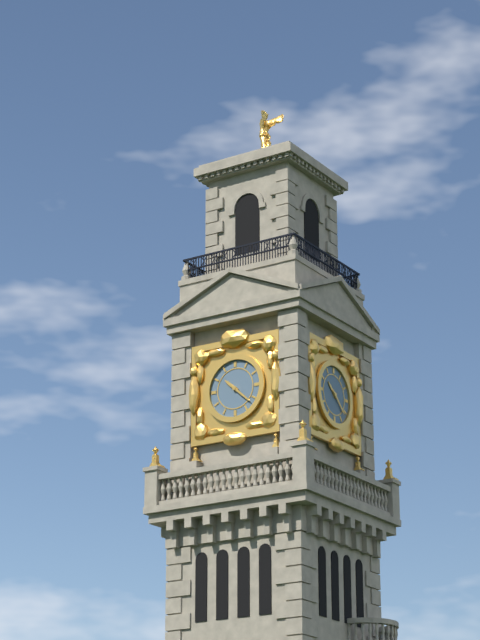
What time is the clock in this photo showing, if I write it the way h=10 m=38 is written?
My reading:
h=10 m=22
